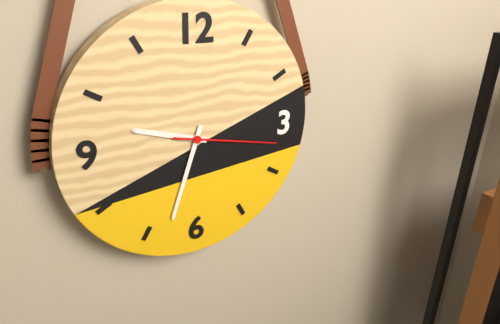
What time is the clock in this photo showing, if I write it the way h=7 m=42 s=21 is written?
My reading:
h=9 m=33 s=17
